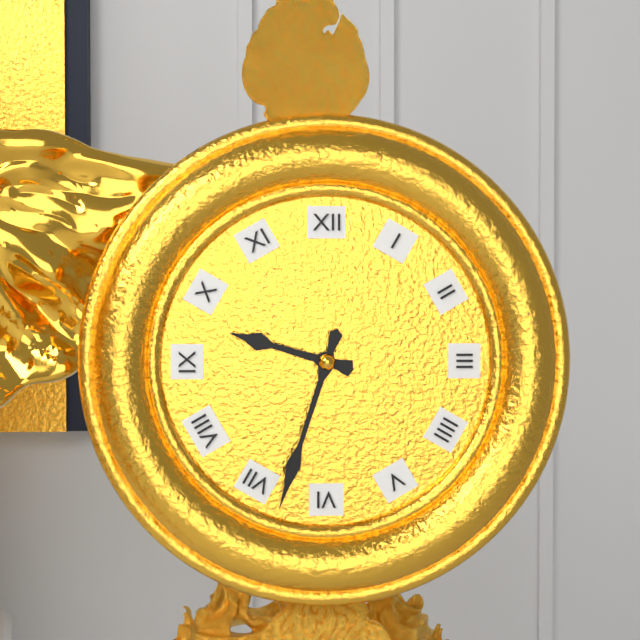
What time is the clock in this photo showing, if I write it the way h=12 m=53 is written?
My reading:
h=9 m=33
